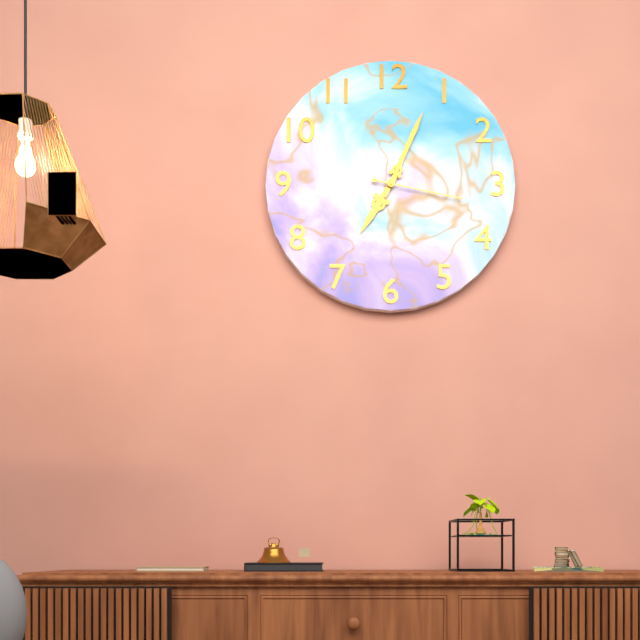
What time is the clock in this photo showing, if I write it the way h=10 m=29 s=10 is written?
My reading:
h=7 m=4 s=17
